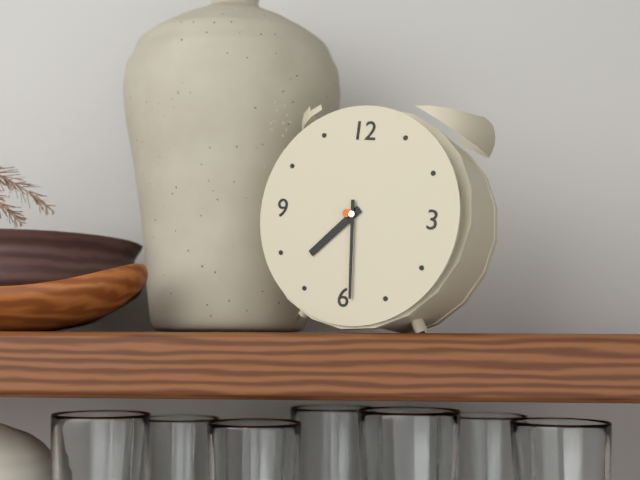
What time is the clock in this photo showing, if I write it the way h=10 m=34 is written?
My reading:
h=7 m=29
